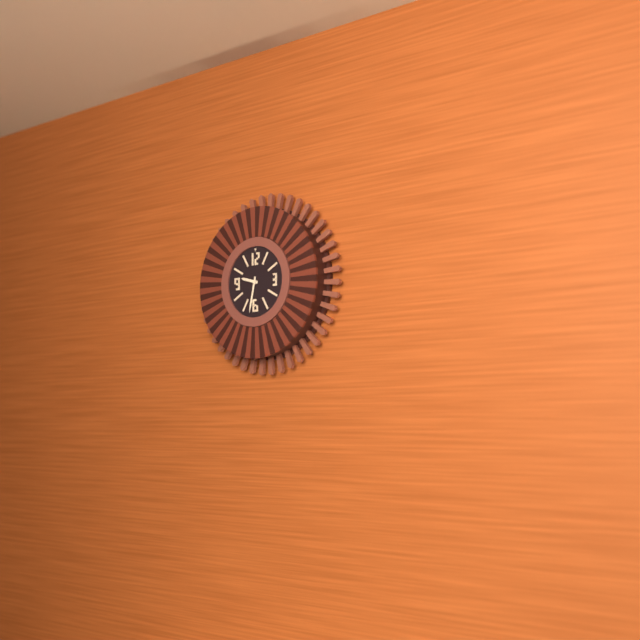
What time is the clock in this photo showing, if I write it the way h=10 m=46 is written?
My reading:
h=9 m=32
